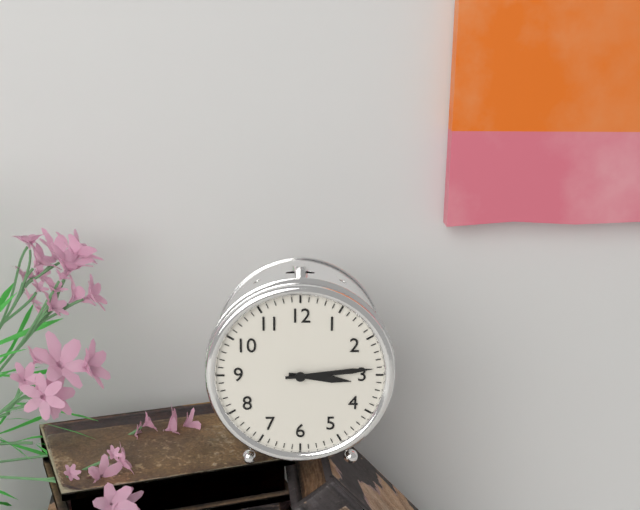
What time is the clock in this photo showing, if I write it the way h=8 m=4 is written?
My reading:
h=3 m=14
